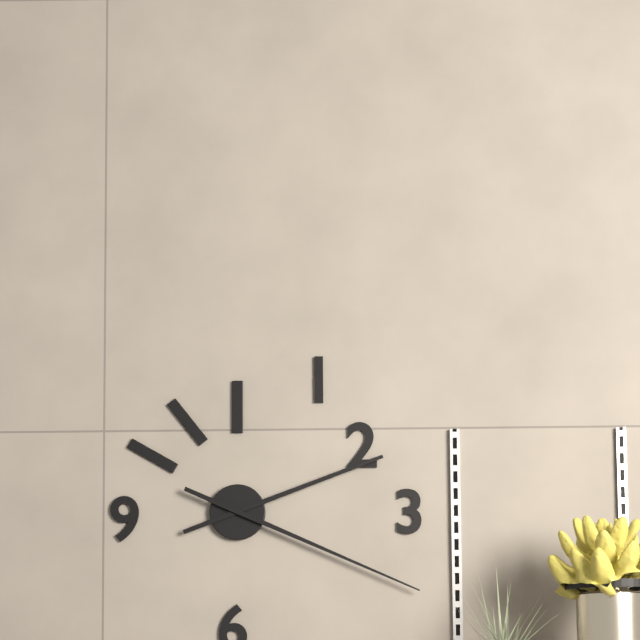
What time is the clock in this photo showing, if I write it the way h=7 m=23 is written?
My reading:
h=2 m=19
